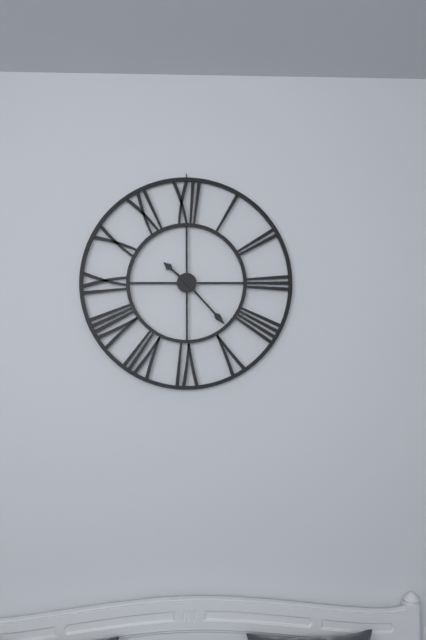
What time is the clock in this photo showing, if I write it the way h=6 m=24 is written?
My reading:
h=10 m=23
